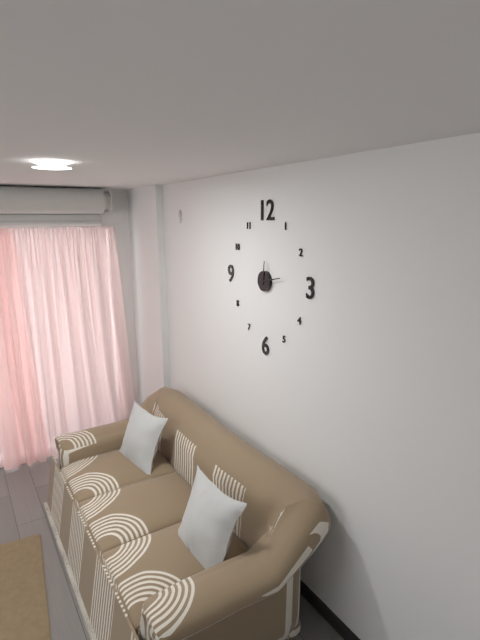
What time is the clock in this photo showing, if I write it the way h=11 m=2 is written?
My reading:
h=12 m=13
